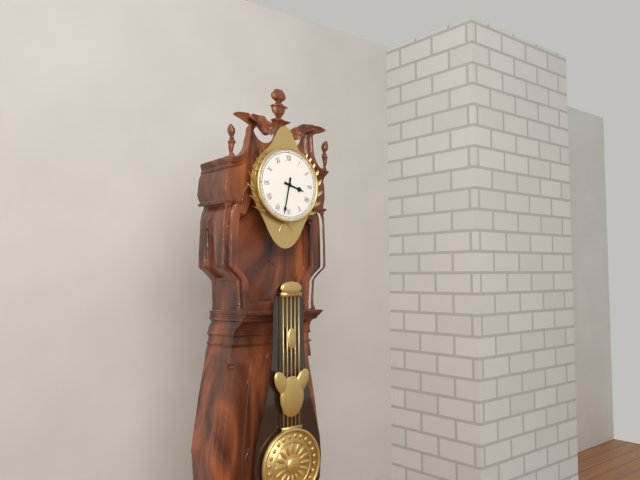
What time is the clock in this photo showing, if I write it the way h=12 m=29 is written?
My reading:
h=3 m=32
